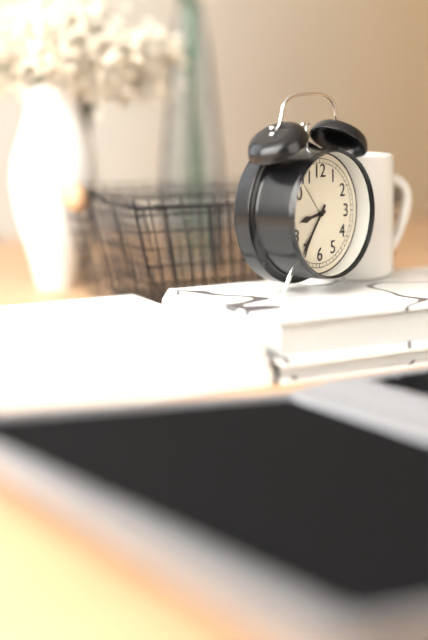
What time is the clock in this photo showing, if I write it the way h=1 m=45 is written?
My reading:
h=8 m=36
